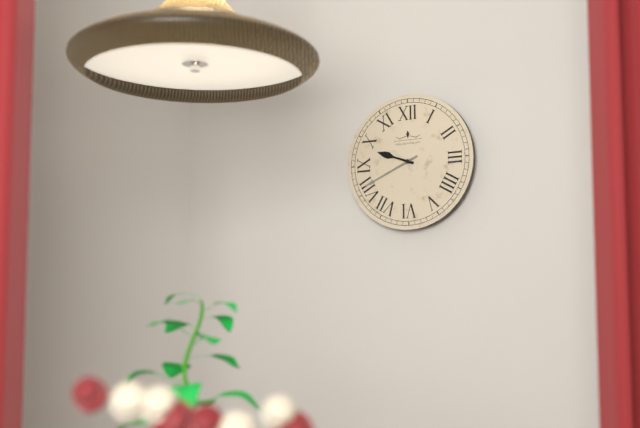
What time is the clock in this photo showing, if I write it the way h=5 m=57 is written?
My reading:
h=9 m=41
